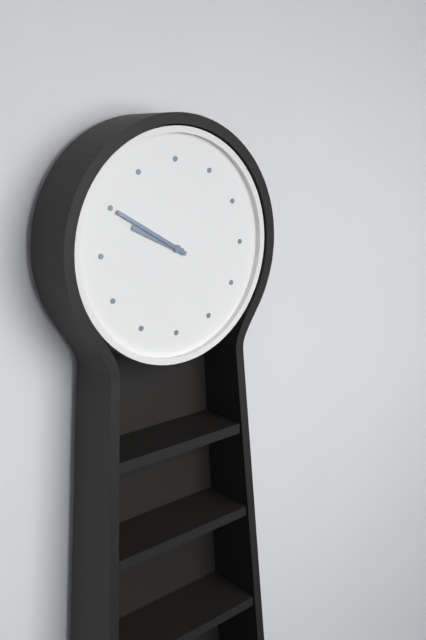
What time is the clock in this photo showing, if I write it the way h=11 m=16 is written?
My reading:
h=9 m=50
